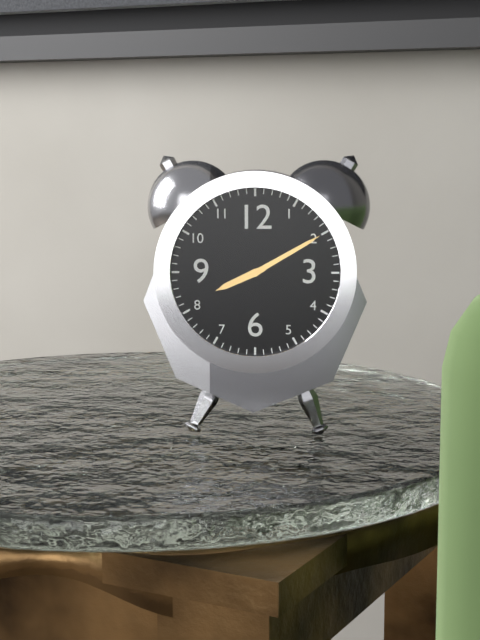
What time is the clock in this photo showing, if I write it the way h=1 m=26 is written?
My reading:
h=8 m=10
